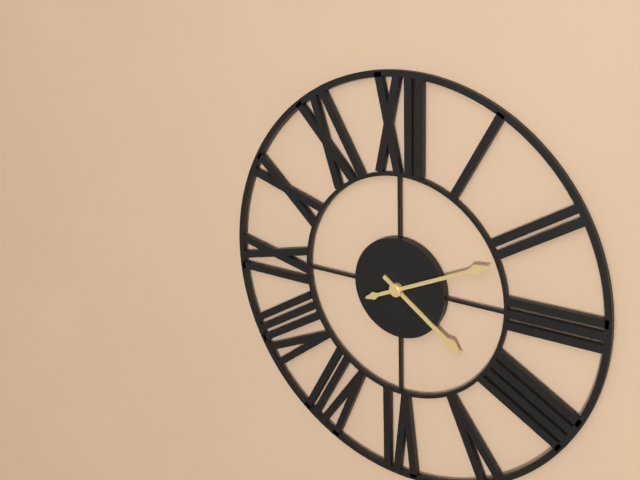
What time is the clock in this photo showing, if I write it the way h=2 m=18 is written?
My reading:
h=4 m=11
